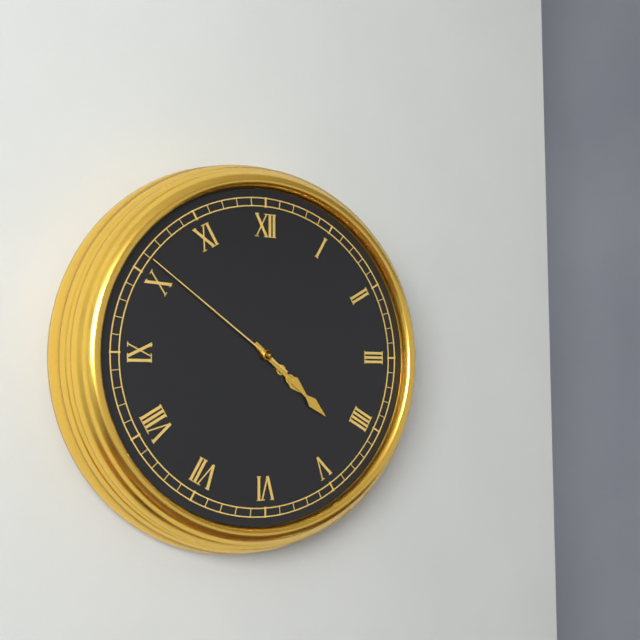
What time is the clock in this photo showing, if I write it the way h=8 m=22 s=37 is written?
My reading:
h=4 m=22 s=51
